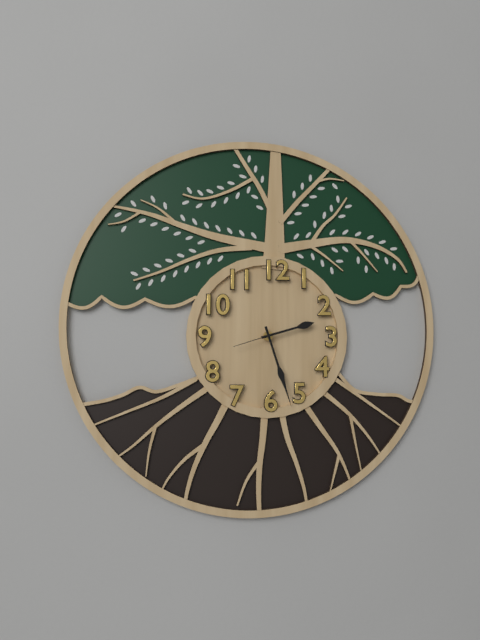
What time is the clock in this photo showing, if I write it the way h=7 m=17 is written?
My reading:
h=2 m=27
